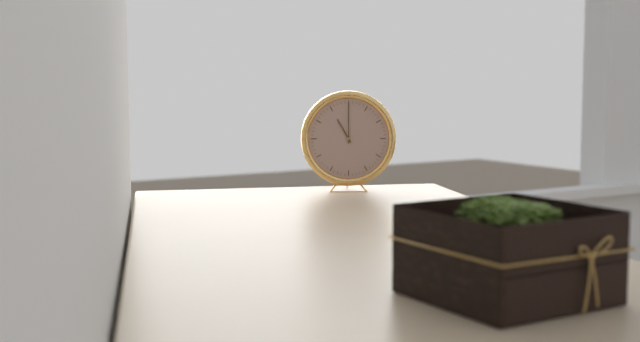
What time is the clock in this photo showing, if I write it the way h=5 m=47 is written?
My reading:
h=11 m=0
